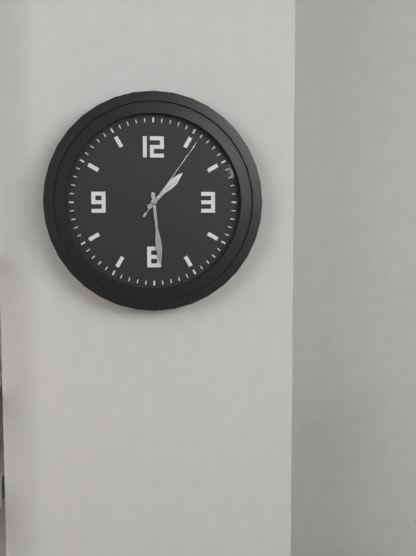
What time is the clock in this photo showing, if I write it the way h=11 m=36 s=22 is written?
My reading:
h=1 m=29 s=6
